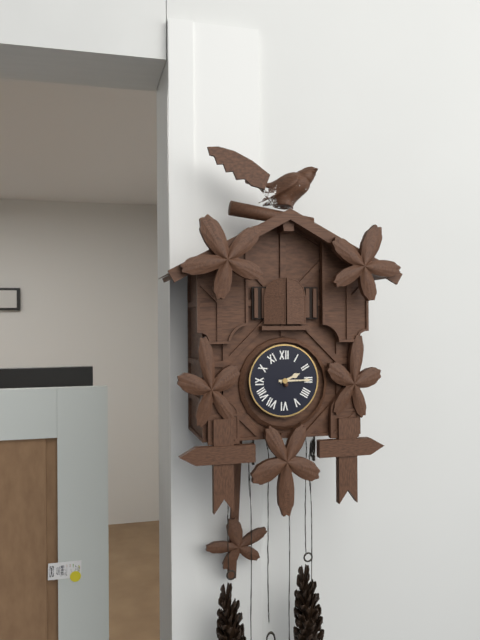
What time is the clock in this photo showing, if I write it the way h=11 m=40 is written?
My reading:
h=2 m=15
